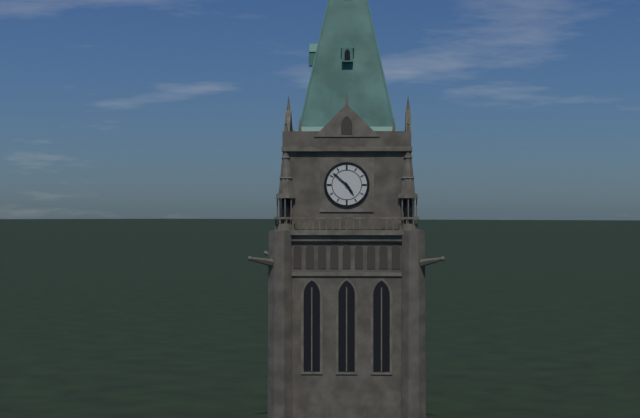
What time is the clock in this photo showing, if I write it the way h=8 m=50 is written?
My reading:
h=4 m=52
